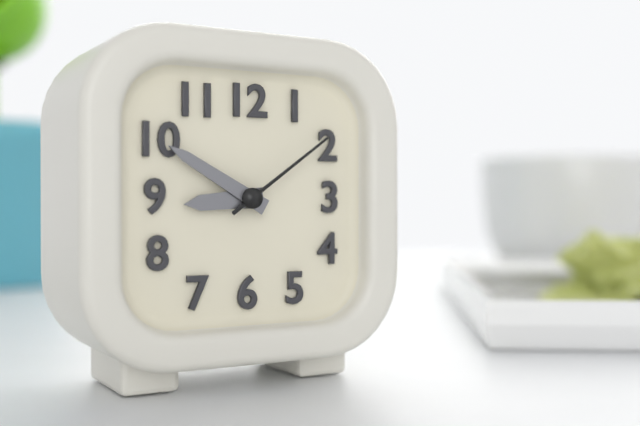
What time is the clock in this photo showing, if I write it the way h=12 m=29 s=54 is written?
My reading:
h=8 m=50 s=9
